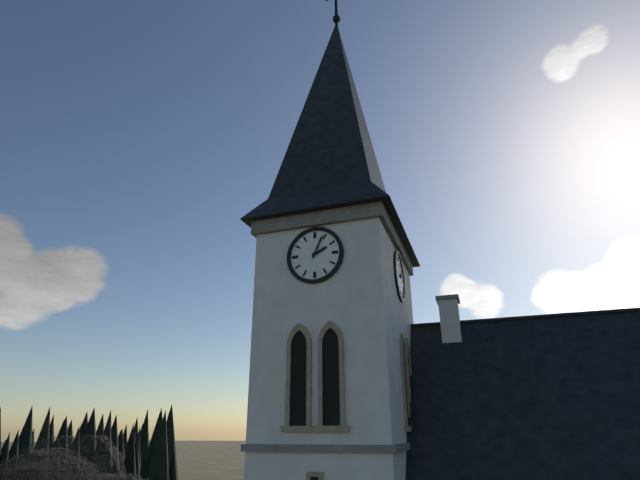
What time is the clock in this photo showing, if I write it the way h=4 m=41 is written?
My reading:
h=2 m=4
